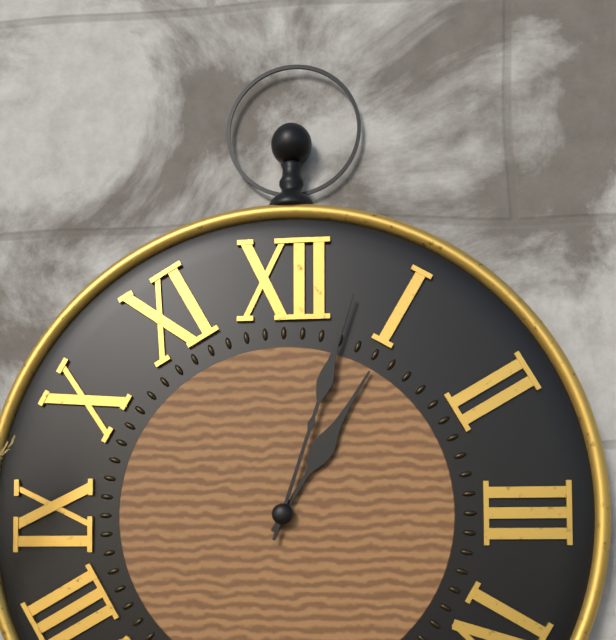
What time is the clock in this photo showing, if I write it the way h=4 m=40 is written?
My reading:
h=1 m=3
